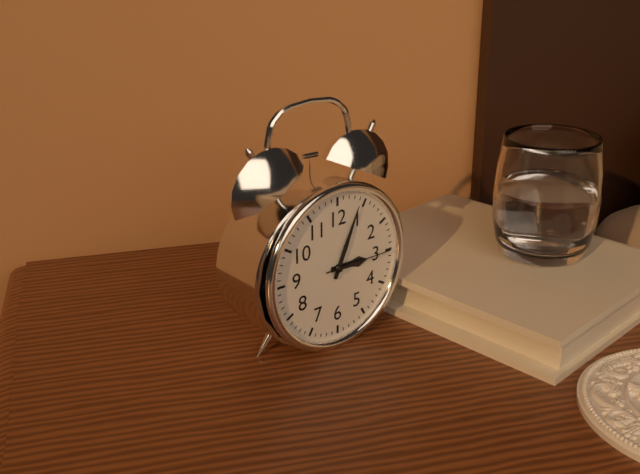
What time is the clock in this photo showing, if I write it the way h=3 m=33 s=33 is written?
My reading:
h=3 m=4 s=15
